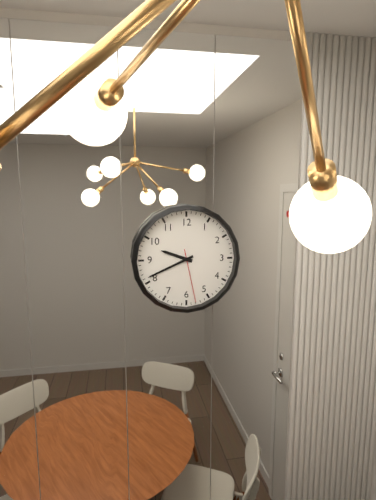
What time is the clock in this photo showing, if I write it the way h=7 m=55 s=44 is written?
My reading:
h=9 m=41 s=28
